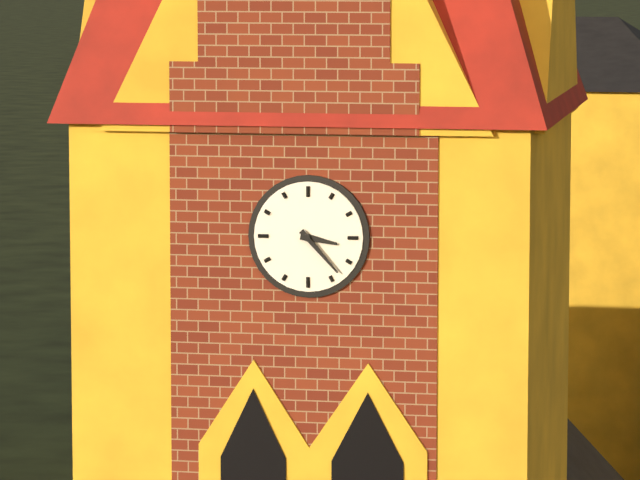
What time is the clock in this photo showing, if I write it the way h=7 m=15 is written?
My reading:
h=3 m=23
